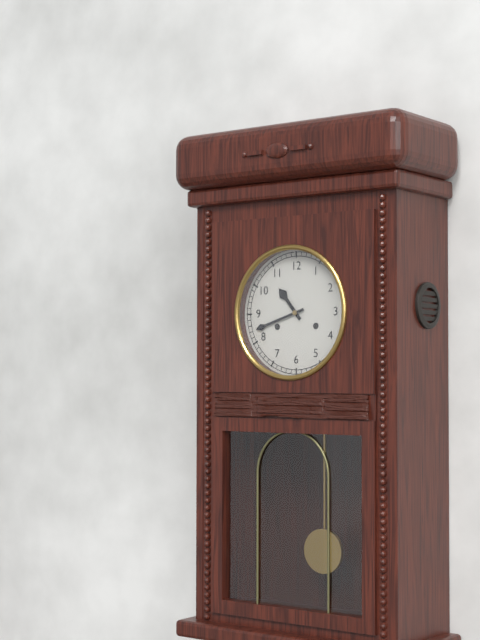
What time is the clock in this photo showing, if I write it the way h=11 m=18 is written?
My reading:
h=10 m=42
